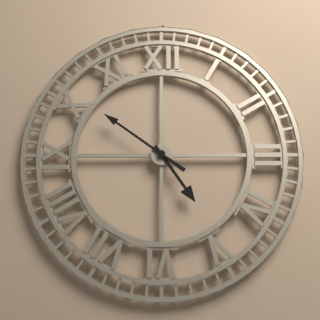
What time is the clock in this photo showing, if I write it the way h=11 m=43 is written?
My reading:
h=4 m=51
